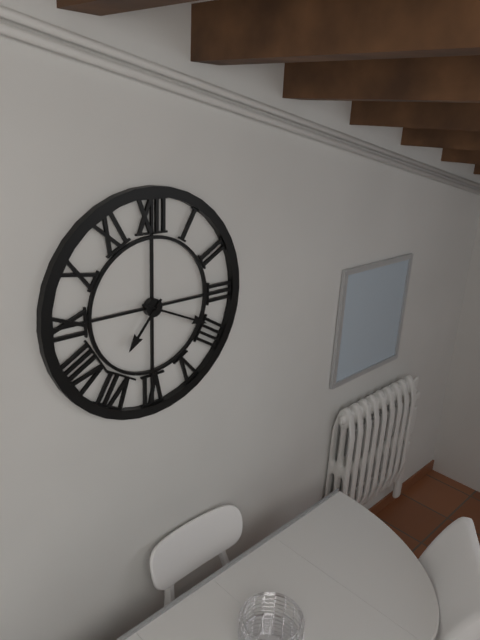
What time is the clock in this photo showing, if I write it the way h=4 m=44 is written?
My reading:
h=7 m=19
